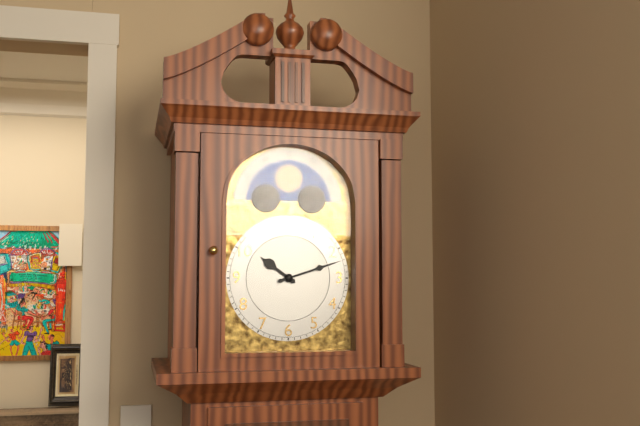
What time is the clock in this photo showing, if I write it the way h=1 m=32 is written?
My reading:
h=10 m=12
